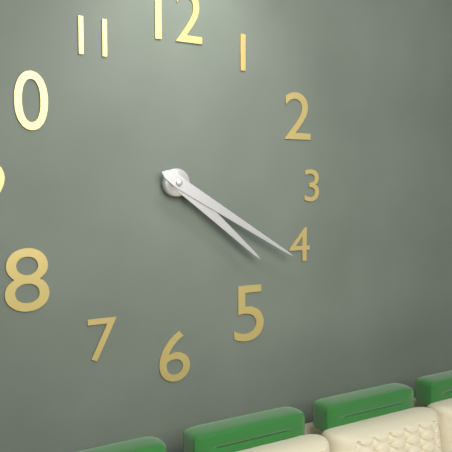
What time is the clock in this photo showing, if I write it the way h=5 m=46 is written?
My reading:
h=4 m=20
